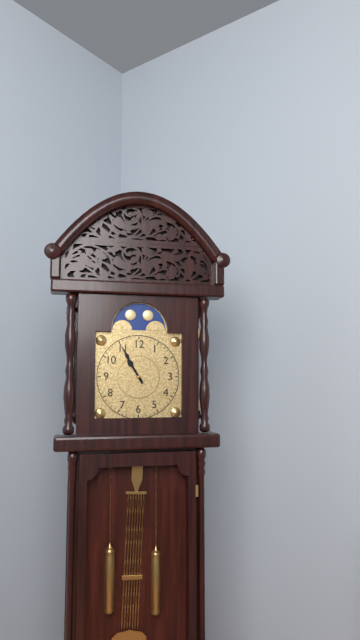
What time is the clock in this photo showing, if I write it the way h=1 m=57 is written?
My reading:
h=10 m=55
